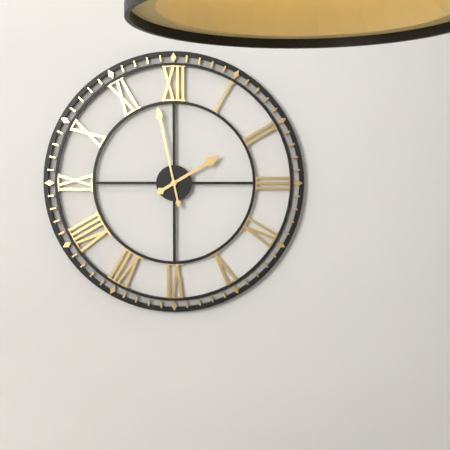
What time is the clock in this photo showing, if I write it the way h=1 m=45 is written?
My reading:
h=1 m=58
